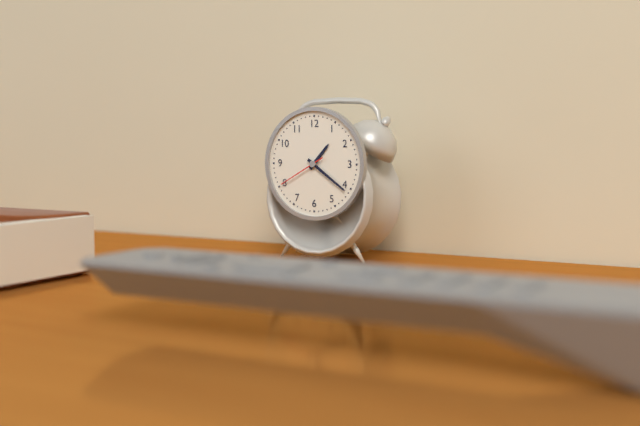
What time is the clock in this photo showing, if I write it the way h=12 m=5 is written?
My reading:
h=1 m=21
